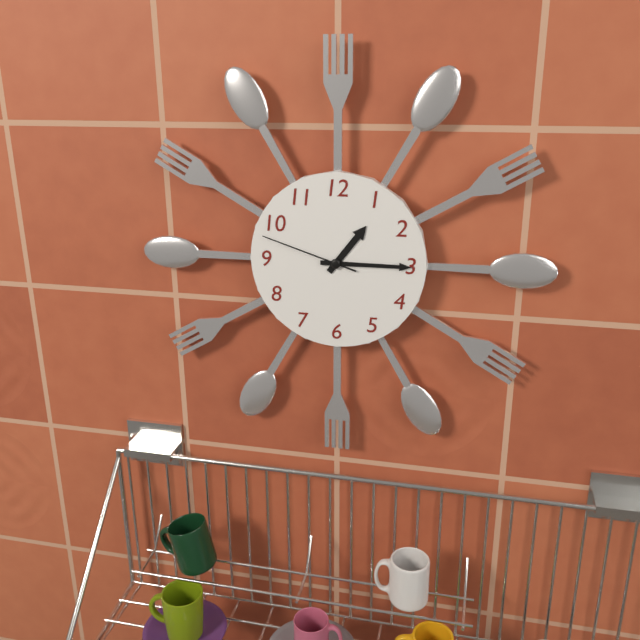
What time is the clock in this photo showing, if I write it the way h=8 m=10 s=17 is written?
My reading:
h=1 m=15 s=48
